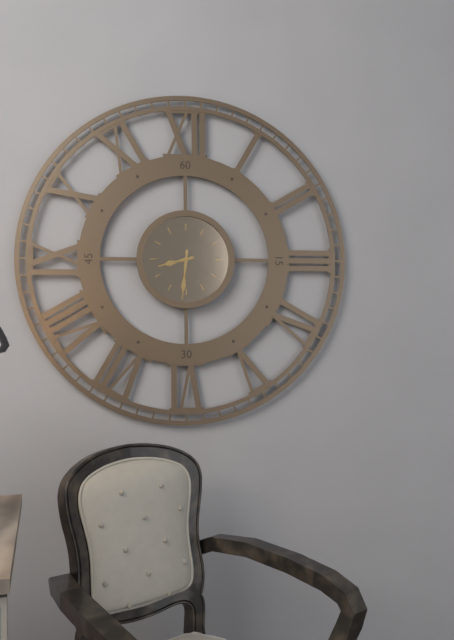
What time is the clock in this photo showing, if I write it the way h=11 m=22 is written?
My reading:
h=8 m=31
